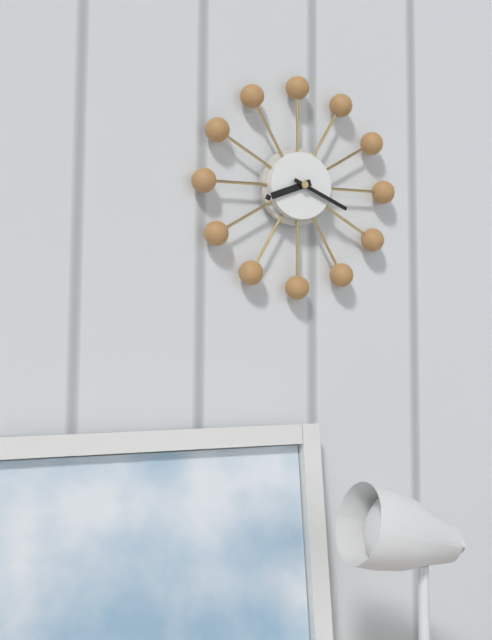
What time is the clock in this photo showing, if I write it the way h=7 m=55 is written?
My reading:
h=8 m=19
